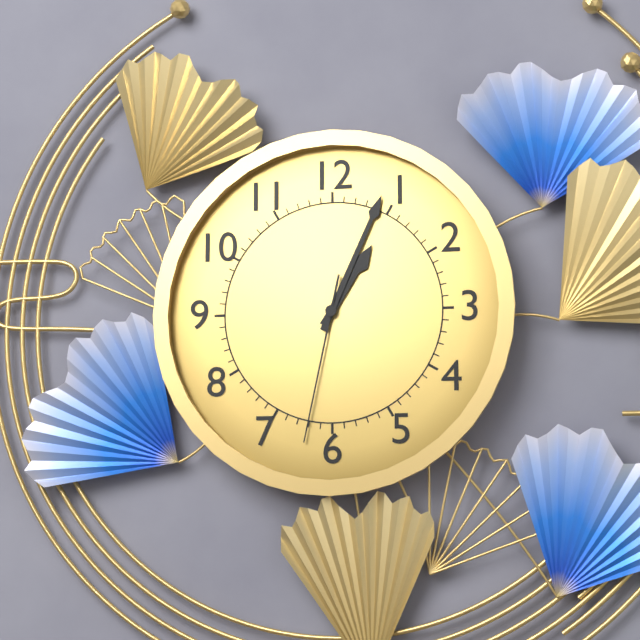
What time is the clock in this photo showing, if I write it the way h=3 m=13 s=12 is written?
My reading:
h=1 m=4 s=32
